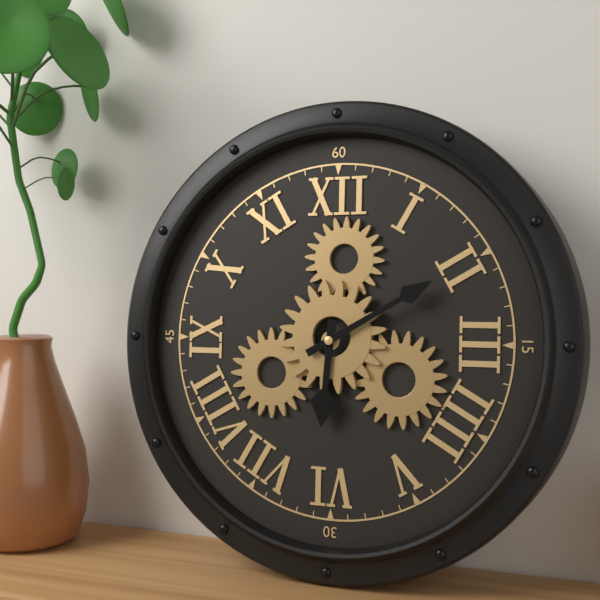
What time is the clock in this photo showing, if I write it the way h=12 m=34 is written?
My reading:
h=6 m=10
